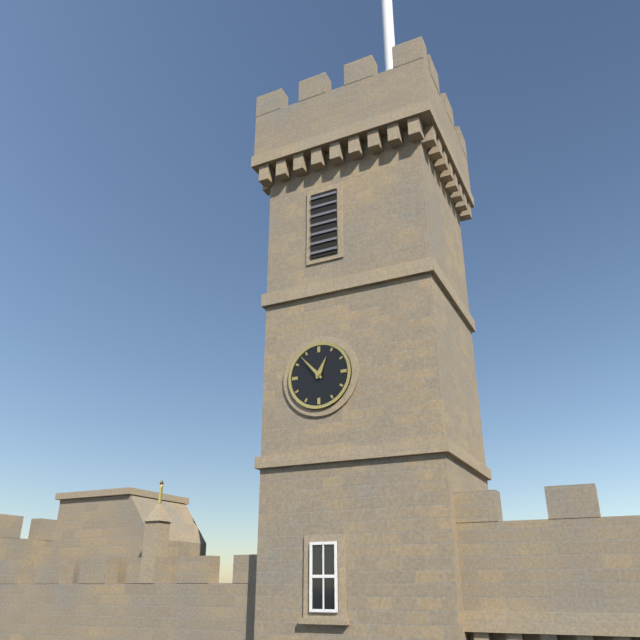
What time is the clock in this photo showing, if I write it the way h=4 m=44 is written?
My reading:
h=12 m=53
